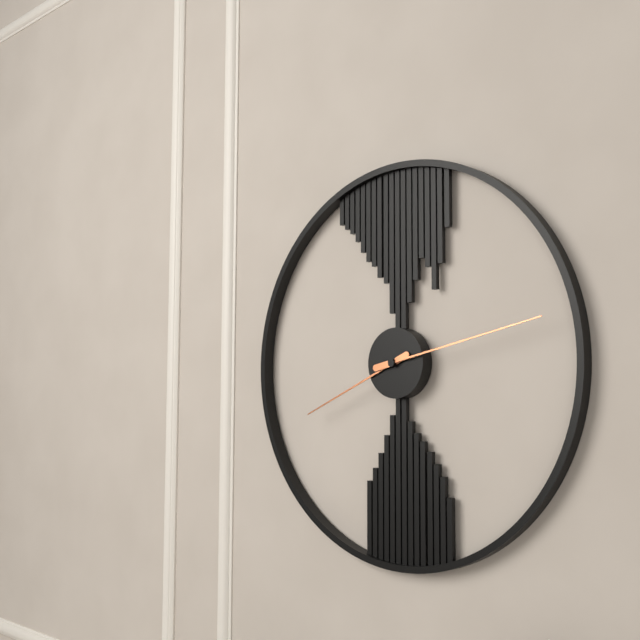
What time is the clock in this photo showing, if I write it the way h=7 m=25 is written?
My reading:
h=8 m=13
